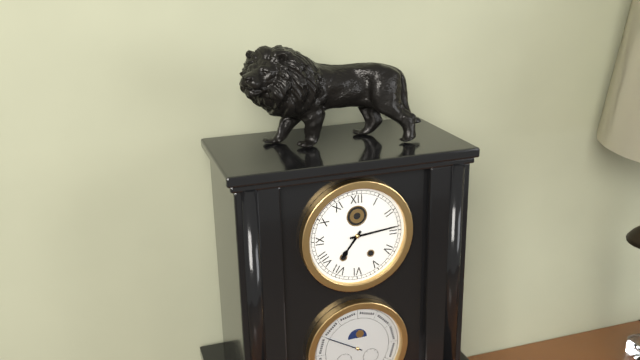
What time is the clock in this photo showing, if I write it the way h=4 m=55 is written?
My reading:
h=7 m=14
